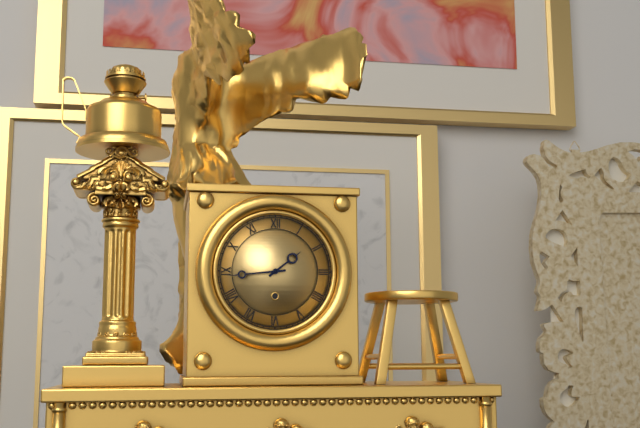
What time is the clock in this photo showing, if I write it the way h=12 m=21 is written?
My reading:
h=1 m=44
